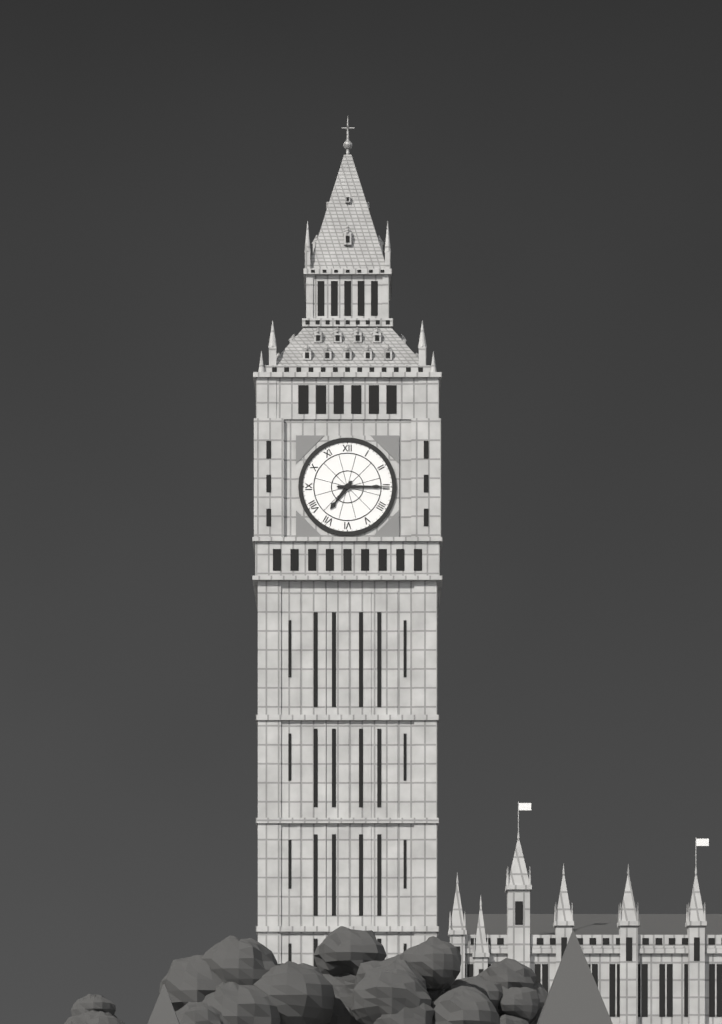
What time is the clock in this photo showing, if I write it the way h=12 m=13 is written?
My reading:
h=7 m=15
